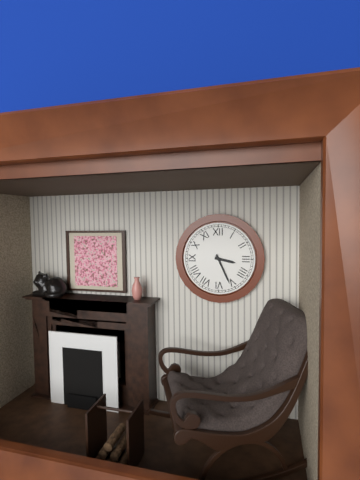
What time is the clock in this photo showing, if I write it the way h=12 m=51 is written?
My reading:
h=3 m=26
